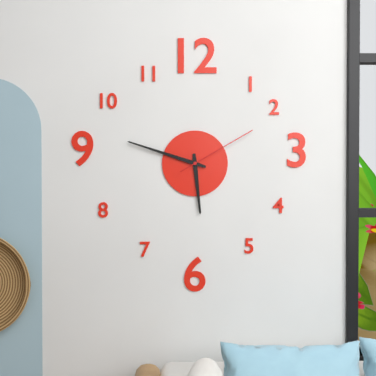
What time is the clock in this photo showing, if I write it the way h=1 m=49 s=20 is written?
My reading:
h=5 m=48 s=10
